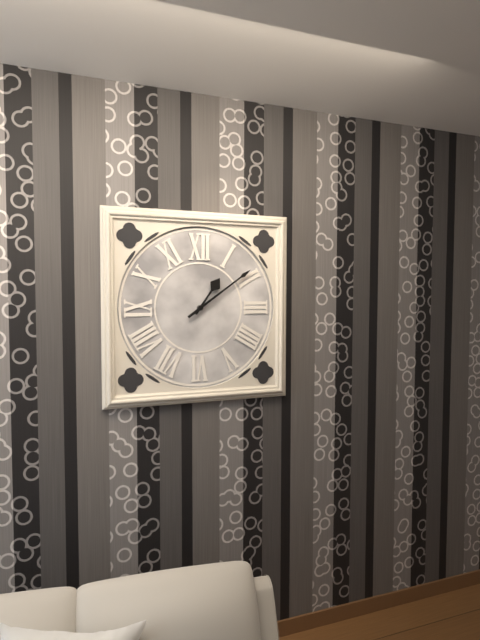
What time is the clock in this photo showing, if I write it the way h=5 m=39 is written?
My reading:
h=1 m=9
